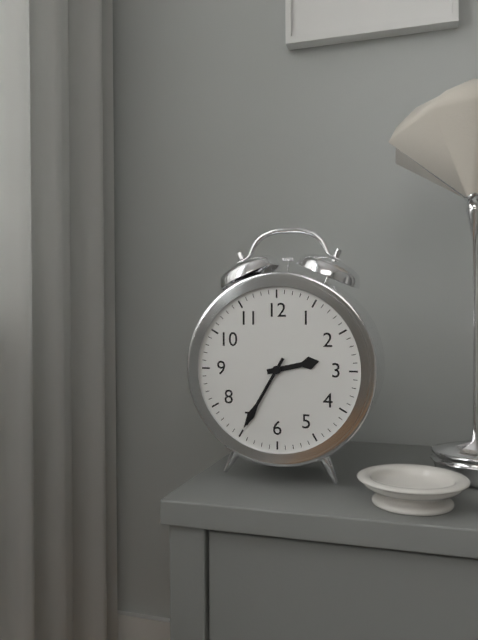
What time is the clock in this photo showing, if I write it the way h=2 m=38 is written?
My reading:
h=2 m=35
